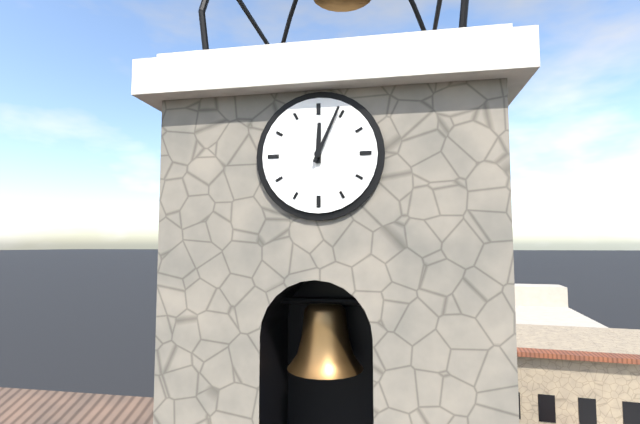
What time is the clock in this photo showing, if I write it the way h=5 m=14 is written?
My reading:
h=12 m=4
